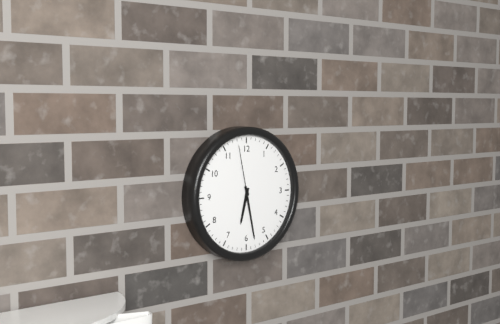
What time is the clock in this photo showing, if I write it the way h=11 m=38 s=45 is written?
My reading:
h=6 m=28 s=58
